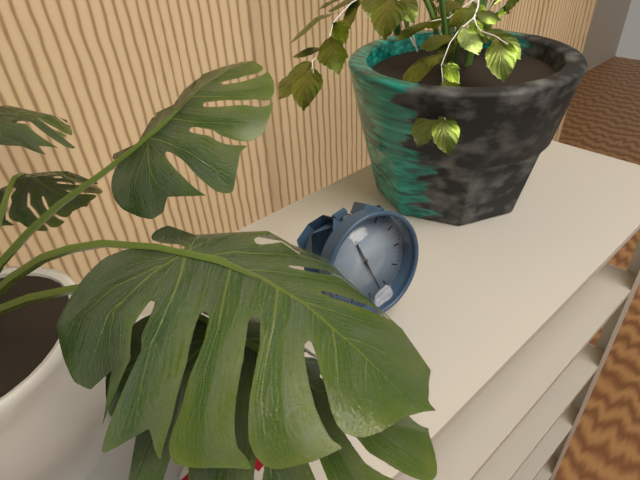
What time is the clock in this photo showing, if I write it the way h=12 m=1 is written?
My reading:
h=11 m=27
